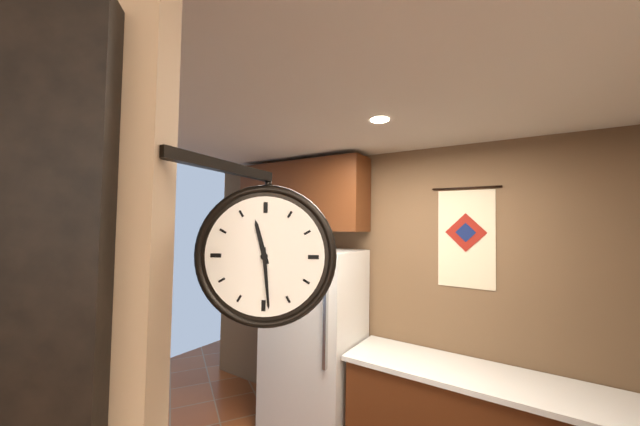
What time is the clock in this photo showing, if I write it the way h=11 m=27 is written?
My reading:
h=11 m=29
